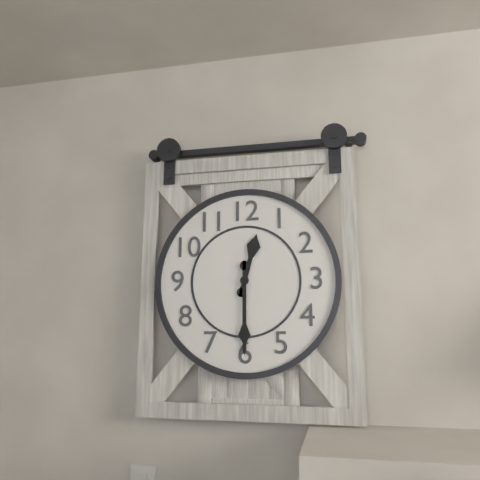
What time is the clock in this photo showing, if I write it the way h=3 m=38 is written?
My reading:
h=12 m=30
